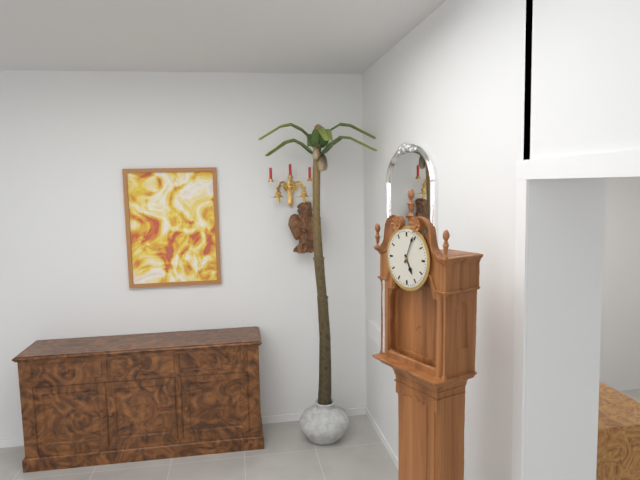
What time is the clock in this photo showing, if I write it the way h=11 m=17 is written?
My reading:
h=5 m=4
